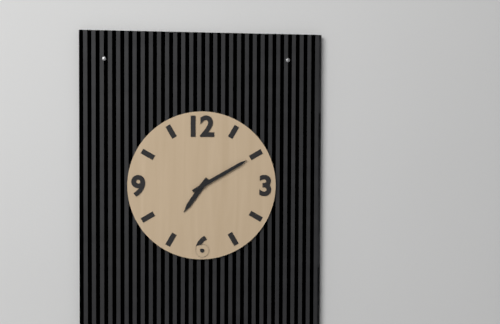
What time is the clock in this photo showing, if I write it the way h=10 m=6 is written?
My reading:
h=7 m=10
